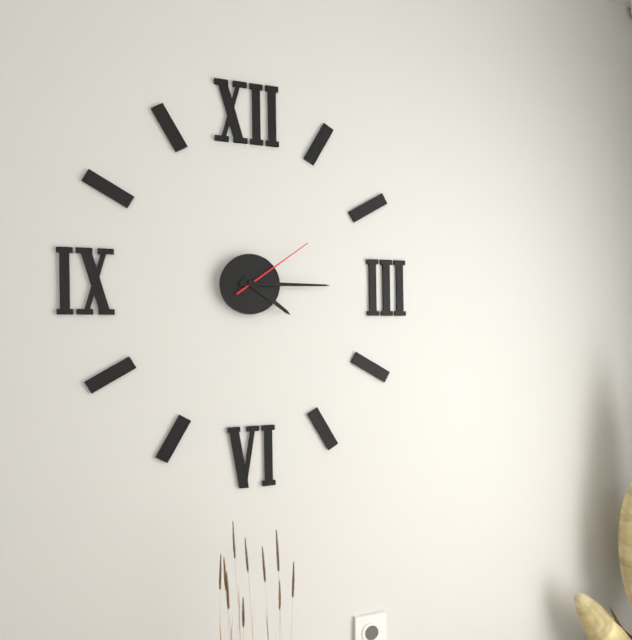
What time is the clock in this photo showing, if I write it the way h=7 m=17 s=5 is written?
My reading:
h=4 m=15 s=9
